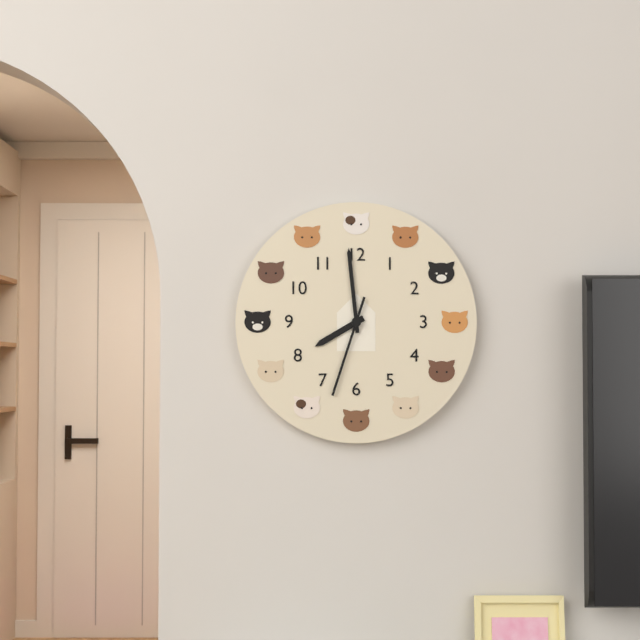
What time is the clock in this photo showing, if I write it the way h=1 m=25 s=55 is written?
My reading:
h=7 m=59 s=33
